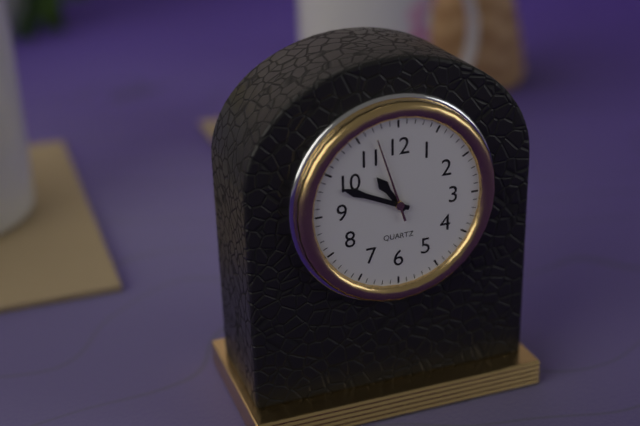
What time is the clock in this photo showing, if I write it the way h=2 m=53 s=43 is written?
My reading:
h=10 m=49 s=57
